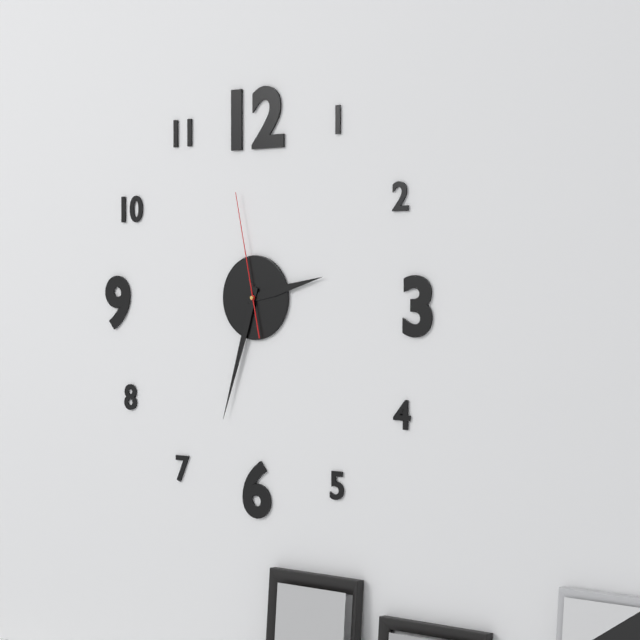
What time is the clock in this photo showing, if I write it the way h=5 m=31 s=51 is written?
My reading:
h=2 m=33 s=58
